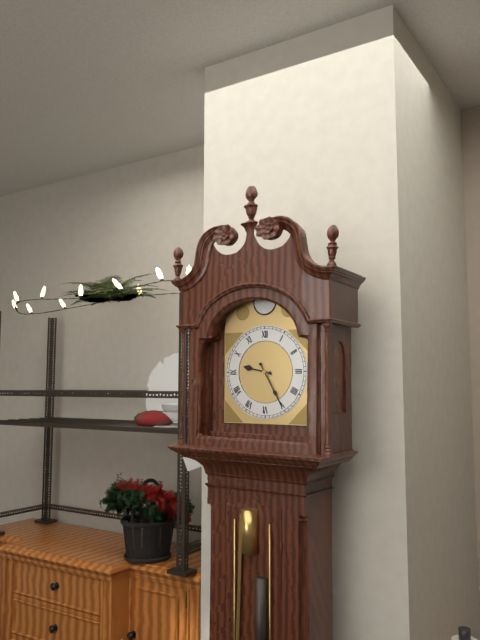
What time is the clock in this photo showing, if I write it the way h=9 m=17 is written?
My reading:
h=9 m=25
